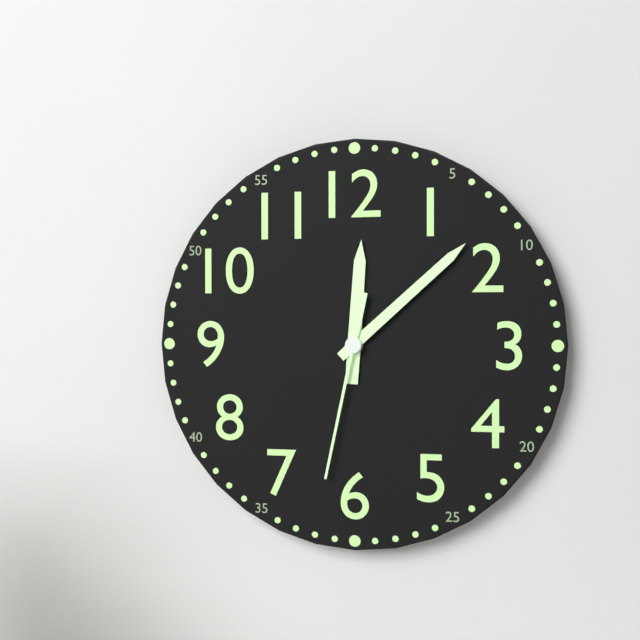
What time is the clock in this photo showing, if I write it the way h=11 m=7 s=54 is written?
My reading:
h=12 m=8 s=32
